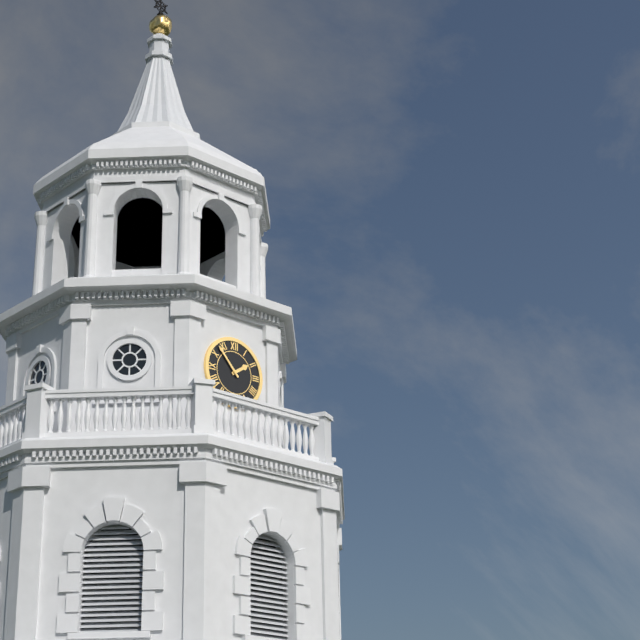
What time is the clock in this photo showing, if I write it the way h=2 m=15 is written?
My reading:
h=1 m=53
